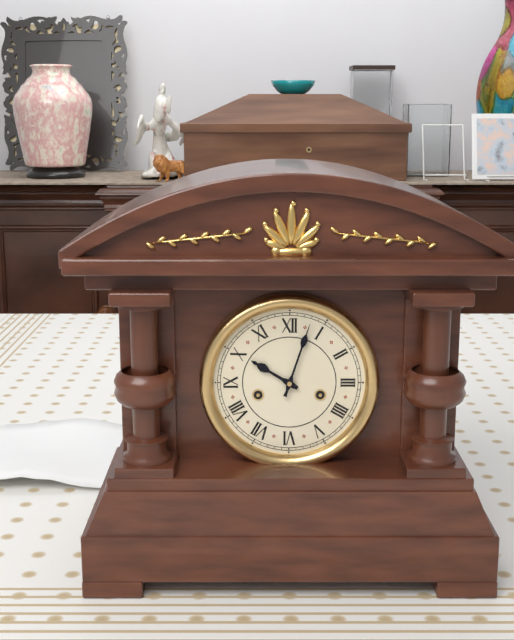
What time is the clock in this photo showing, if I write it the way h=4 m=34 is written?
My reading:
h=10 m=3
